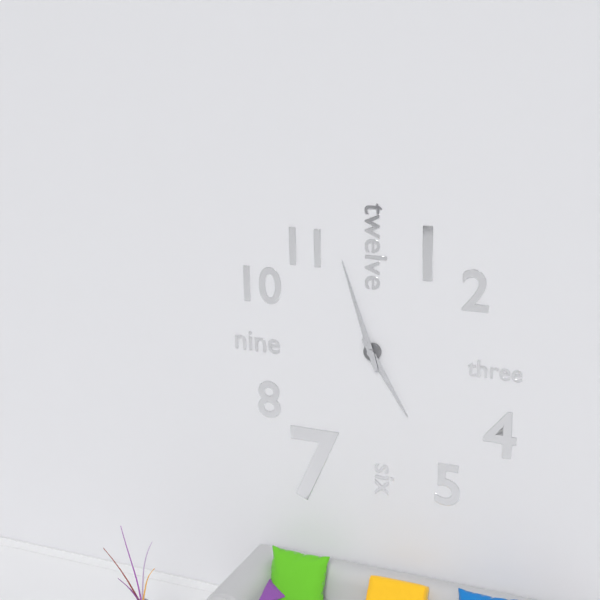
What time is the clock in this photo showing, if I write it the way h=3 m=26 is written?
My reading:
h=4 m=57
